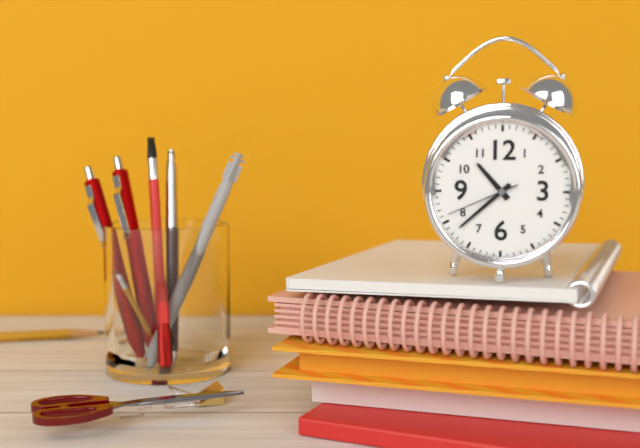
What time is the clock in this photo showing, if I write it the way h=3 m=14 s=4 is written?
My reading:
h=10 m=38 s=41
